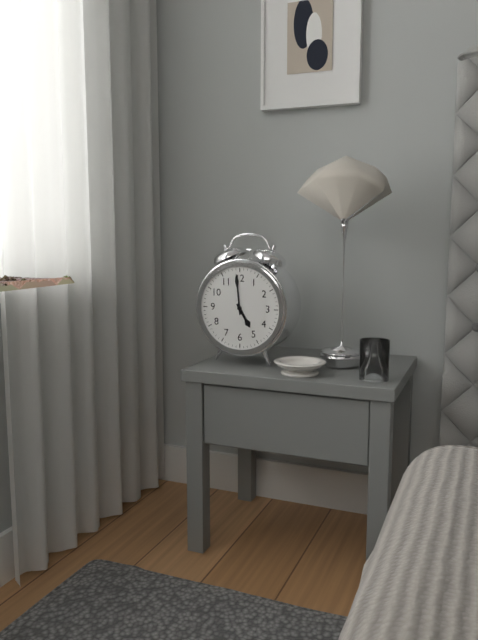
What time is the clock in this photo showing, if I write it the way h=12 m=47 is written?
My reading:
h=4 m=59
